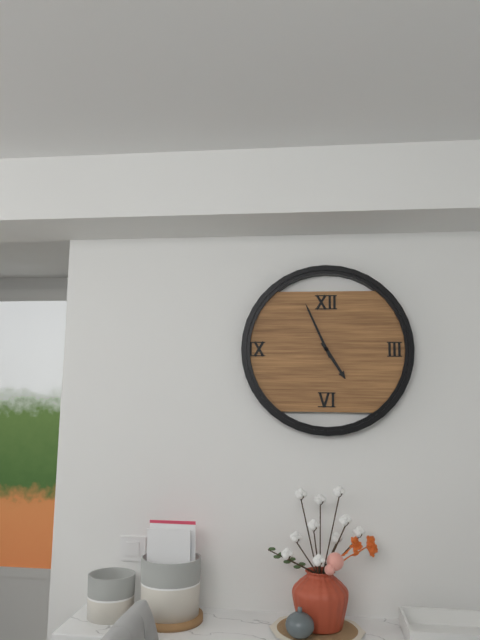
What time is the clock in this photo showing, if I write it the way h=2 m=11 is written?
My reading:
h=4 m=56
